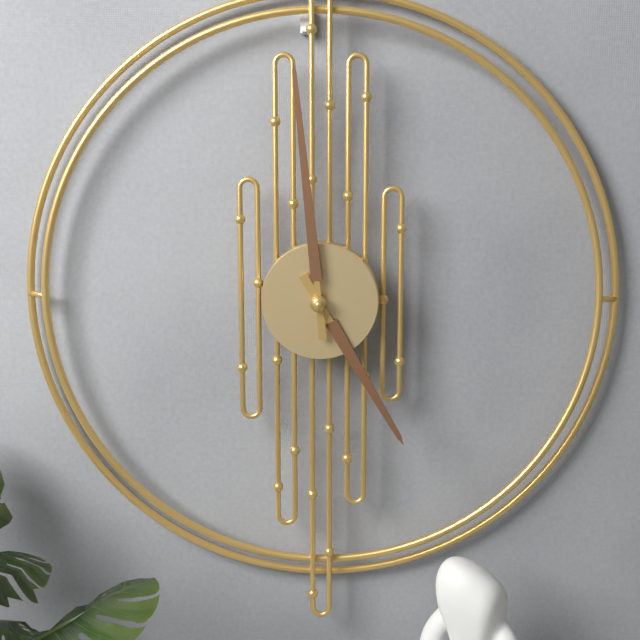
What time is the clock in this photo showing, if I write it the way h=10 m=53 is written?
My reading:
h=4 m=59
